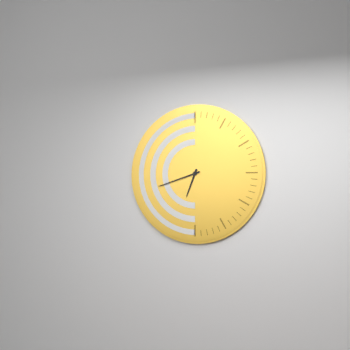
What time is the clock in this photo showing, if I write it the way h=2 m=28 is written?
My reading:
h=6 m=42
